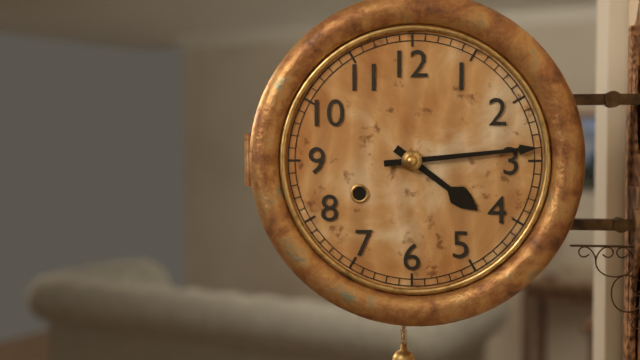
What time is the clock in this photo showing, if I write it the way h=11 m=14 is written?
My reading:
h=4 m=14
